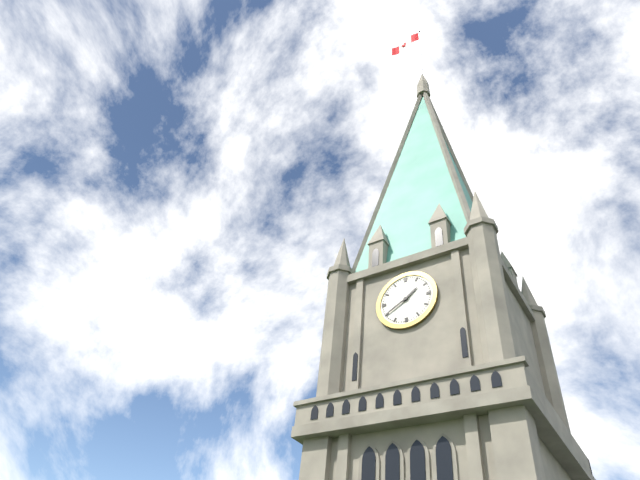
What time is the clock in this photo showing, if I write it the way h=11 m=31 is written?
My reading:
h=1 m=40
